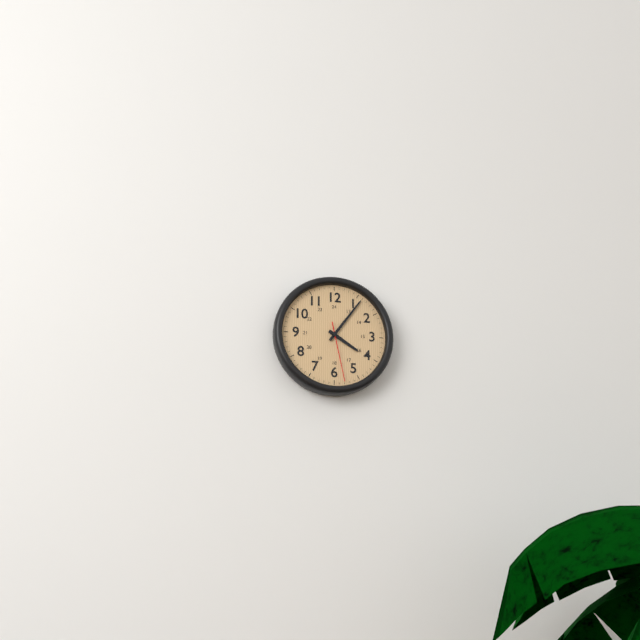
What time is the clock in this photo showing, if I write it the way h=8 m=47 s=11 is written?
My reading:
h=4 m=6 s=28
